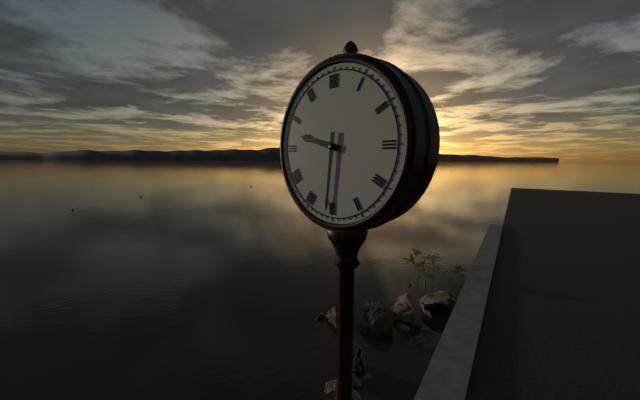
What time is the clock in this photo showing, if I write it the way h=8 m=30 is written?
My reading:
h=9 m=31
